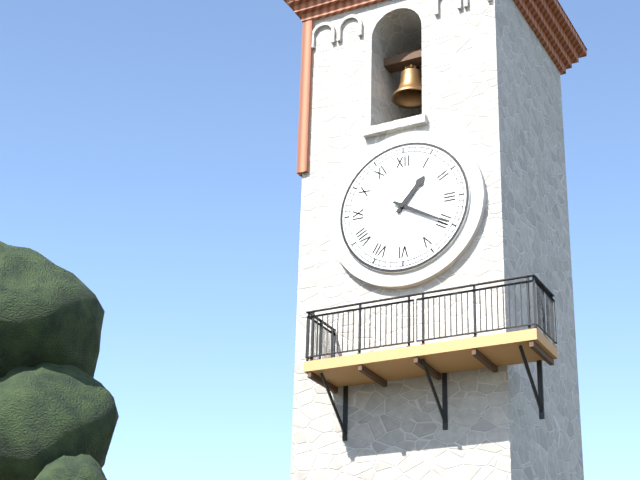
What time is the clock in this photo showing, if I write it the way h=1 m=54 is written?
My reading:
h=1 m=20
